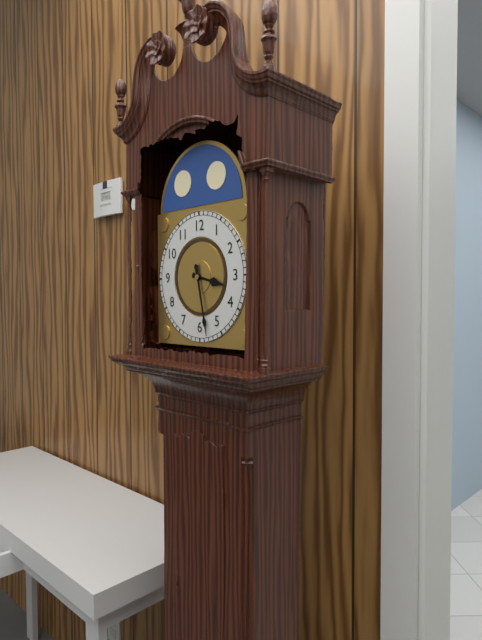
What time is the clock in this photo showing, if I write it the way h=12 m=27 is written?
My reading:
h=3 m=28
